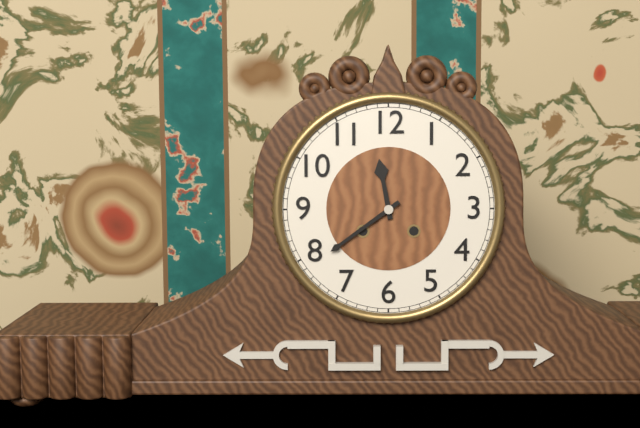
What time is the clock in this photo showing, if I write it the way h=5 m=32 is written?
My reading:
h=11 m=39
